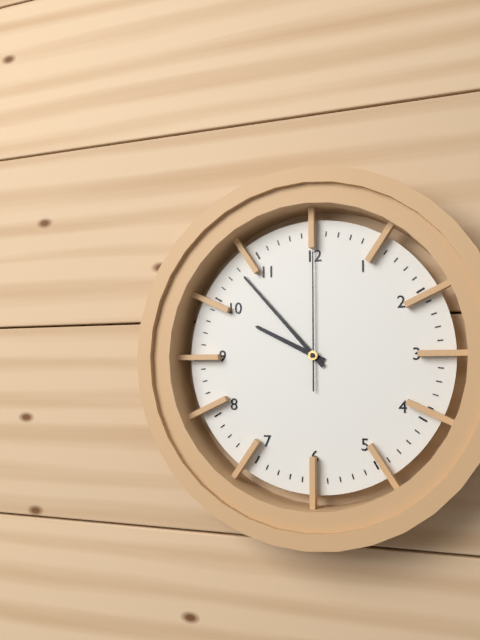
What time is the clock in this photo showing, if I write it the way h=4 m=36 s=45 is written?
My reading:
h=9 m=53 s=0
